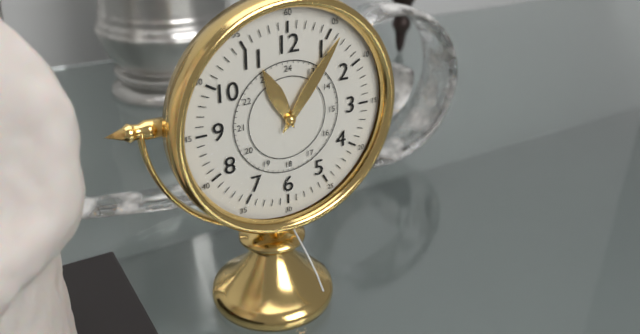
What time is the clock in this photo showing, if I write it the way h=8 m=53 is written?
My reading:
h=11 m=6
